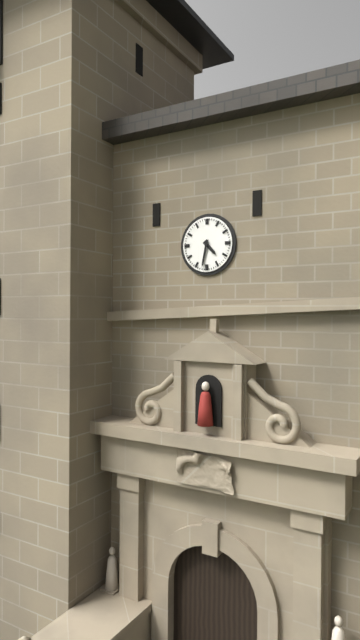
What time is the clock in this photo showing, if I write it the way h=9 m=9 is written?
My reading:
h=4 m=32
